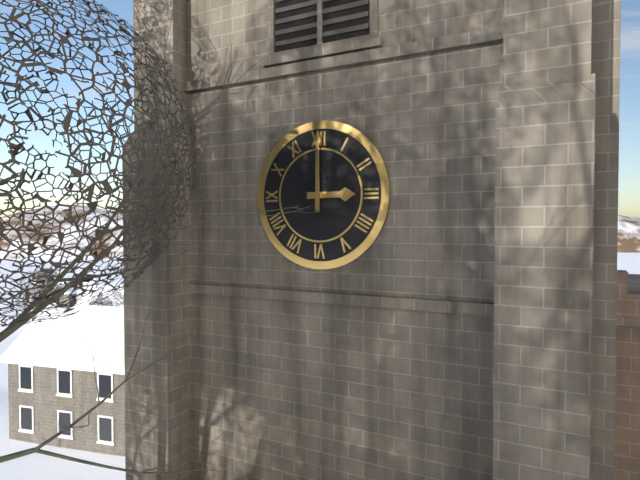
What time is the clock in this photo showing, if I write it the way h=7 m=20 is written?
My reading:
h=3 m=0
